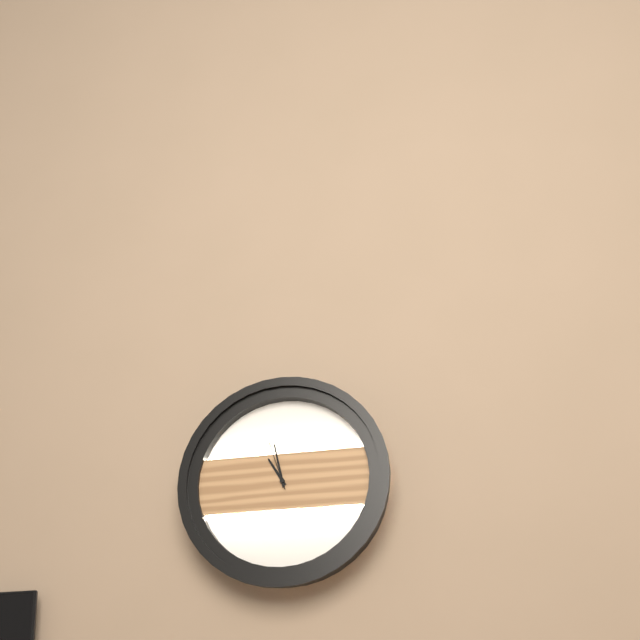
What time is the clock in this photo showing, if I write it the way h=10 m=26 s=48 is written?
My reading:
h=10 m=58 s=57
